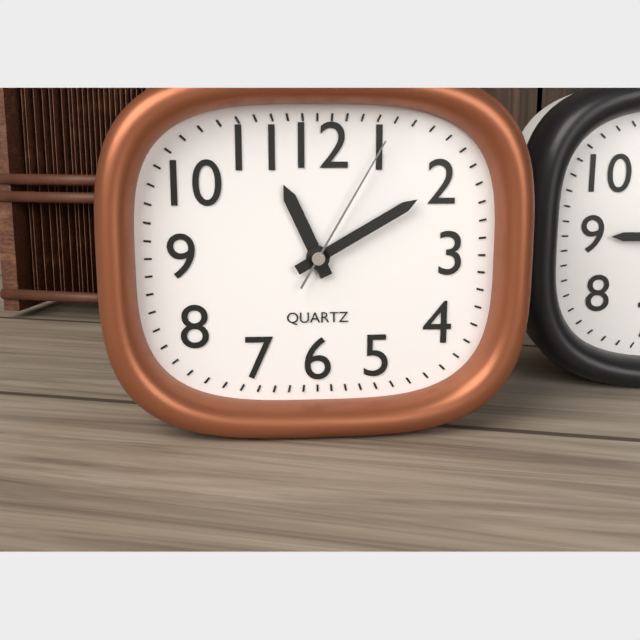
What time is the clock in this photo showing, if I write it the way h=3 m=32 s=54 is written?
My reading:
h=11 m=10 s=5
